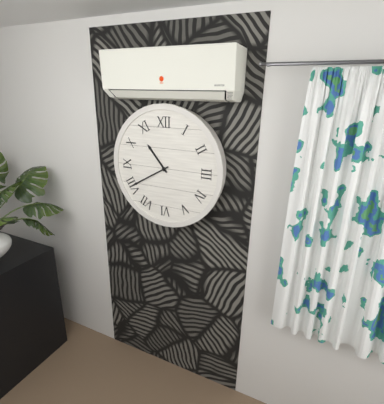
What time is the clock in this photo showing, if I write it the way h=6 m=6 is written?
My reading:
h=10 m=40
